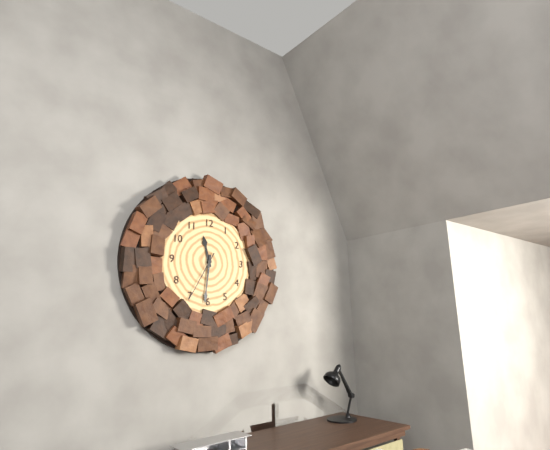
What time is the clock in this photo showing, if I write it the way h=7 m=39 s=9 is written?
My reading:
h=11 m=31 s=35
